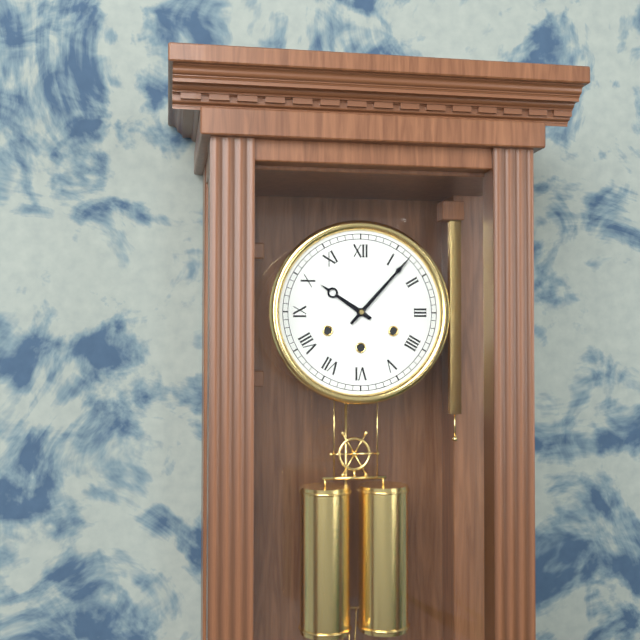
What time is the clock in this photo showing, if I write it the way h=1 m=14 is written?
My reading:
h=10 m=7
